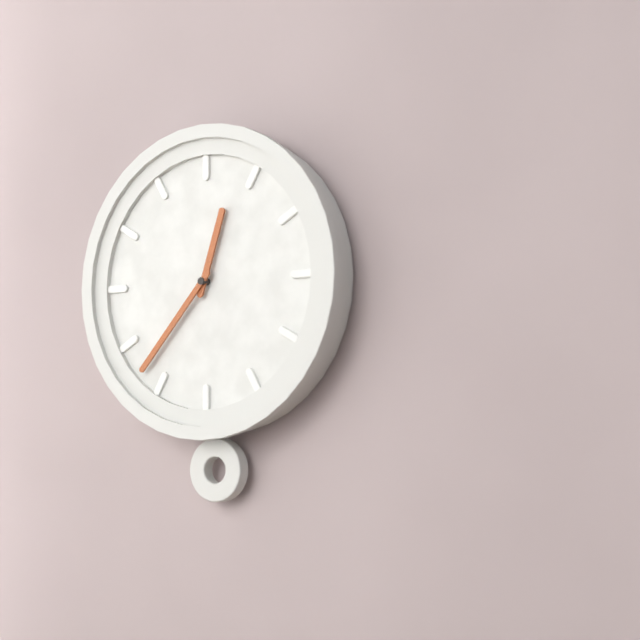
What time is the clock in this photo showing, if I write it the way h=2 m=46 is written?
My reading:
h=12 m=37
